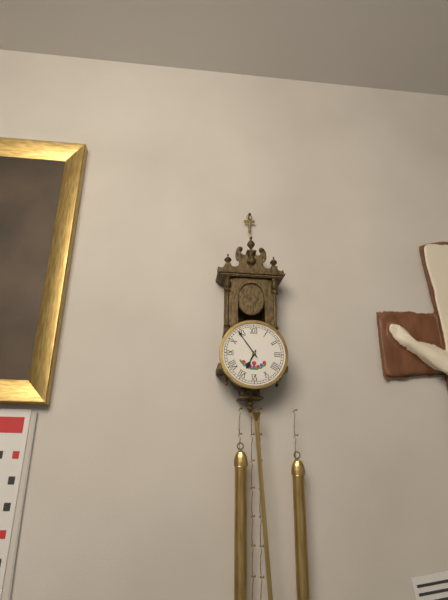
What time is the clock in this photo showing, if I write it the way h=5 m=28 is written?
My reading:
h=6 m=54
